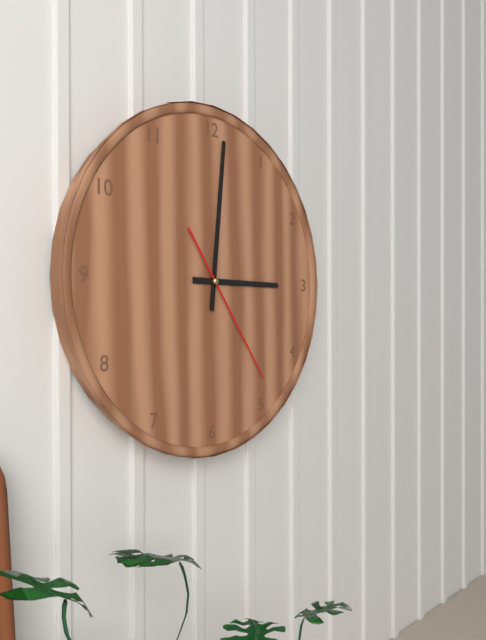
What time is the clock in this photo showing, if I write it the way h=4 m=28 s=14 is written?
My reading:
h=3 m=1 s=24
